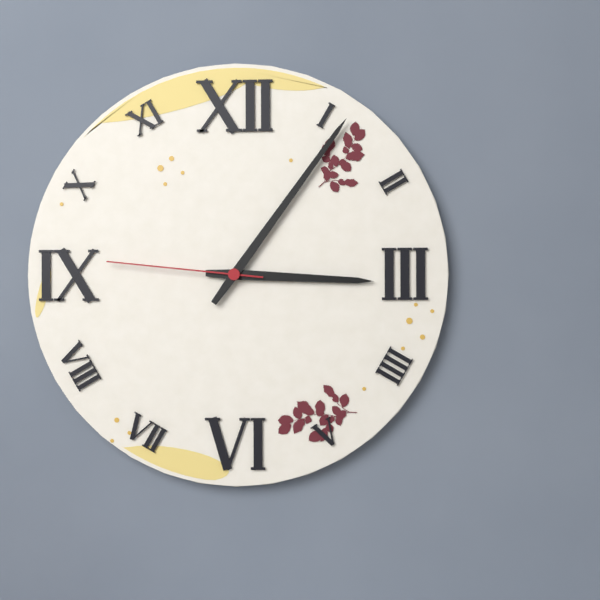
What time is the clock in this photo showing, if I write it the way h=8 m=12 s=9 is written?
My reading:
h=3 m=6 s=46
